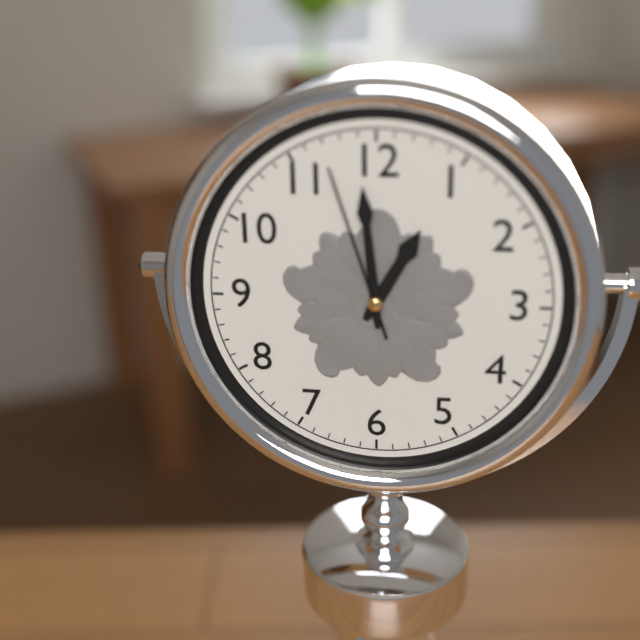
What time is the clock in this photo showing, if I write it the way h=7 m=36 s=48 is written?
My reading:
h=12 m=59 s=57
